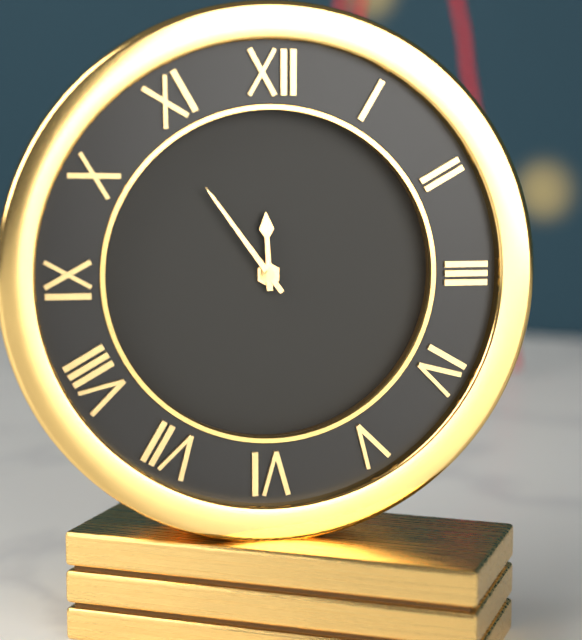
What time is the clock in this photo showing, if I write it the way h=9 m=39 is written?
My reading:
h=11 m=54
